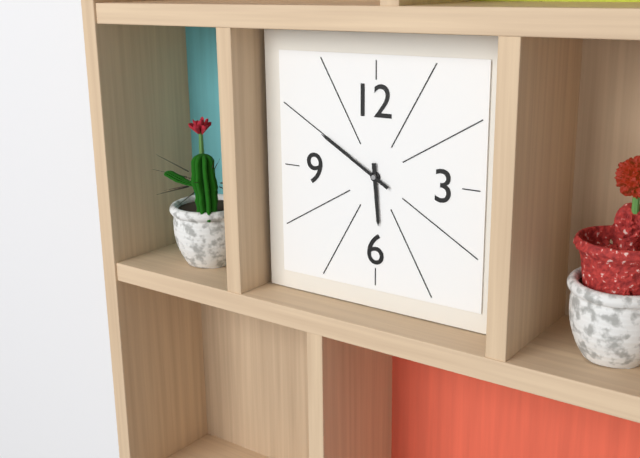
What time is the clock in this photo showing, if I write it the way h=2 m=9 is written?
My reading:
h=5 m=50
